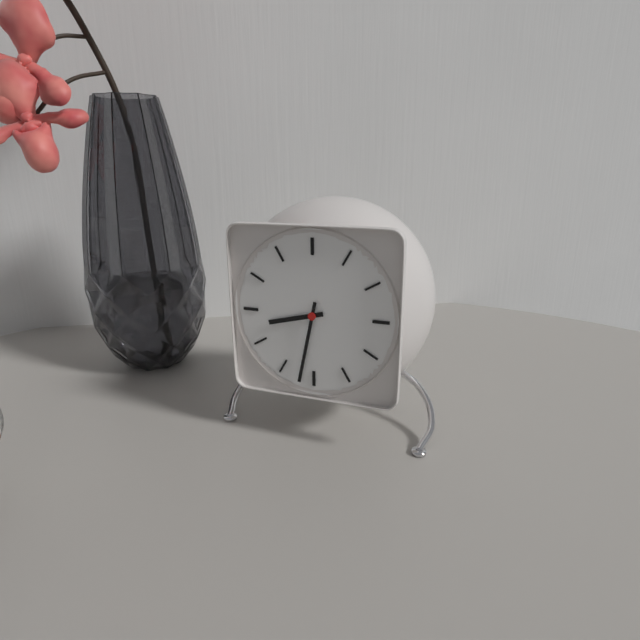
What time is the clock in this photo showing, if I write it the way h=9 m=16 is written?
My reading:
h=8 m=32
